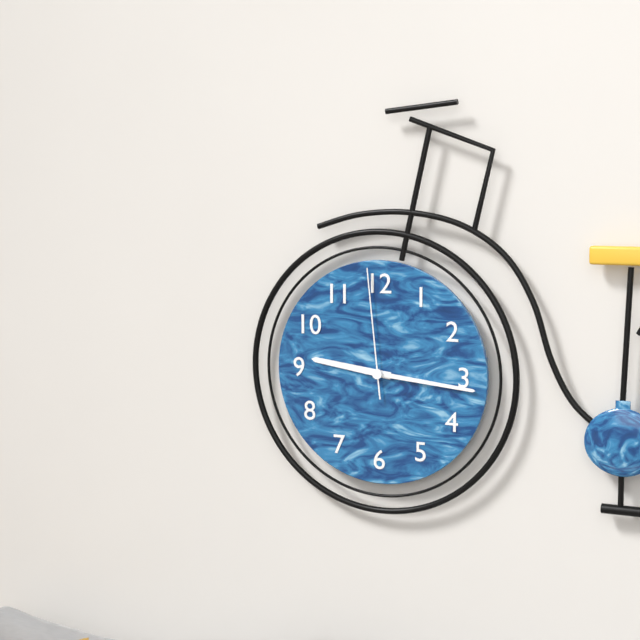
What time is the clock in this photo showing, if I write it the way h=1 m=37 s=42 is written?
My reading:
h=9 m=16 s=59
